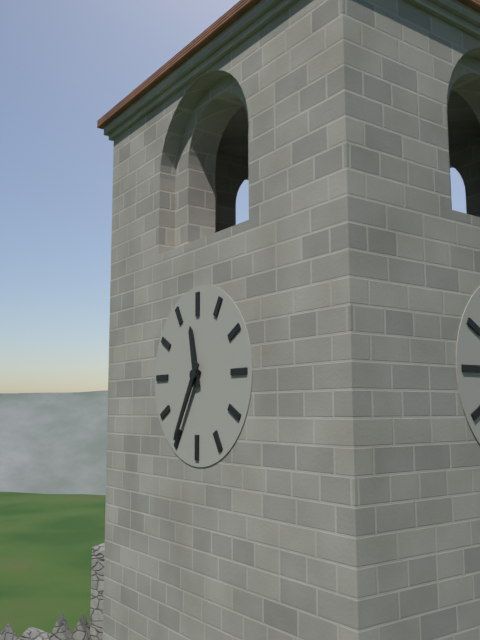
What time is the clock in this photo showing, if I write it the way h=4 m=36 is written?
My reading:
h=11 m=35
